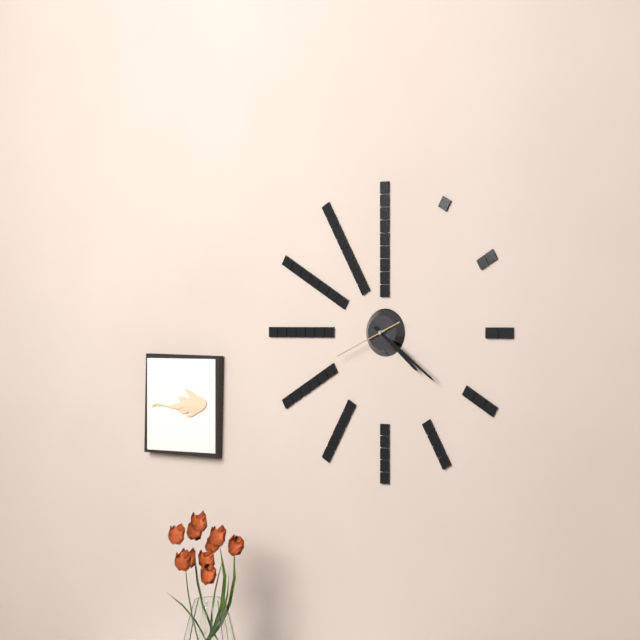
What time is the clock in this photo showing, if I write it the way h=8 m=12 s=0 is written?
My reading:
h=4 m=21 s=41
